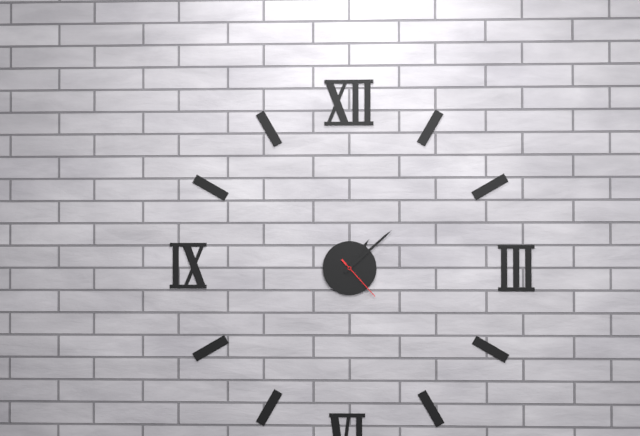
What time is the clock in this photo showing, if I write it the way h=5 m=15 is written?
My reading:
h=1 m=8
